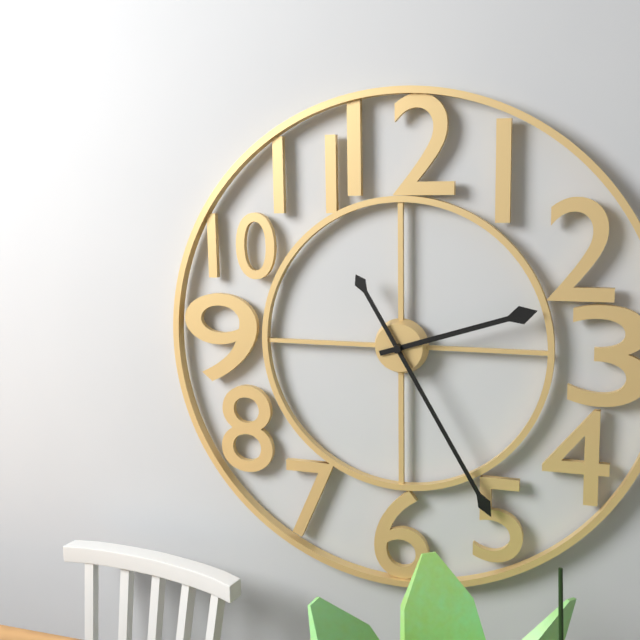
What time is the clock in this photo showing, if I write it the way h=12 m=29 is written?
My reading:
h=2 m=25
